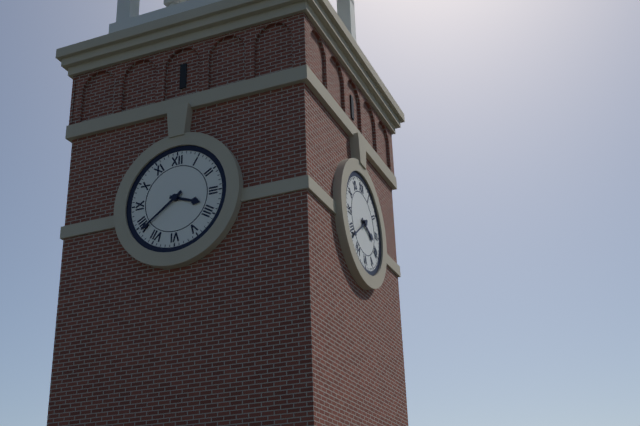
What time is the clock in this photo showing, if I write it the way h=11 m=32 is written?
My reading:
h=3 m=39
